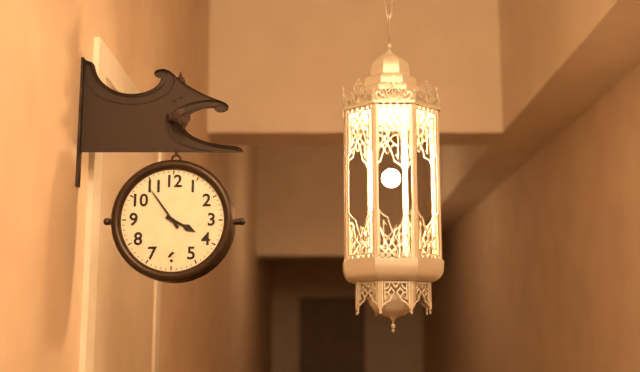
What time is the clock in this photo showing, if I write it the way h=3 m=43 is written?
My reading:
h=3 m=54
